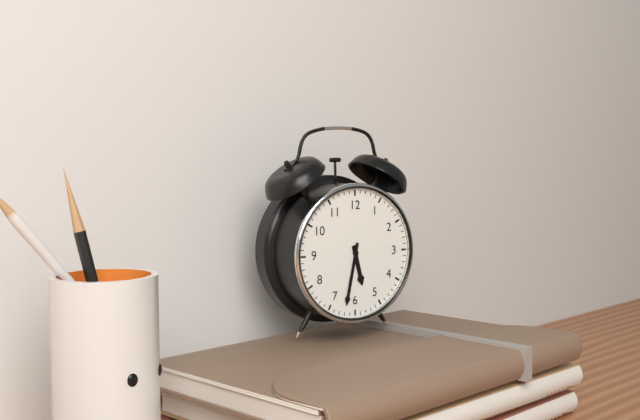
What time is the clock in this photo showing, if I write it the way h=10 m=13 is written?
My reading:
h=5 m=32
